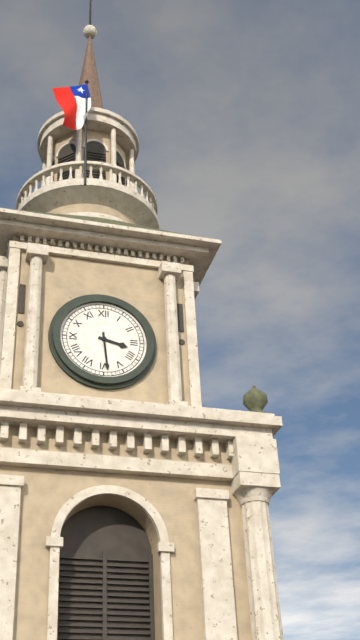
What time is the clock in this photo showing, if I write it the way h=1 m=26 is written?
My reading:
h=3 m=29
